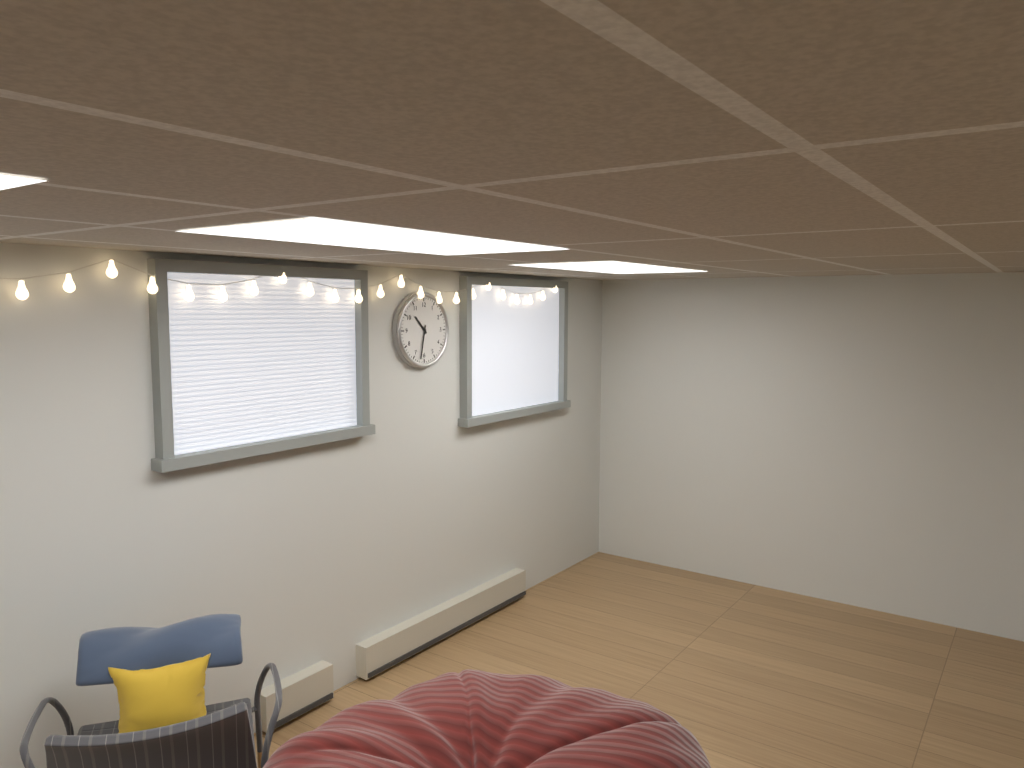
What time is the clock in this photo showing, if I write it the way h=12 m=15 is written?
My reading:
h=10 m=32
